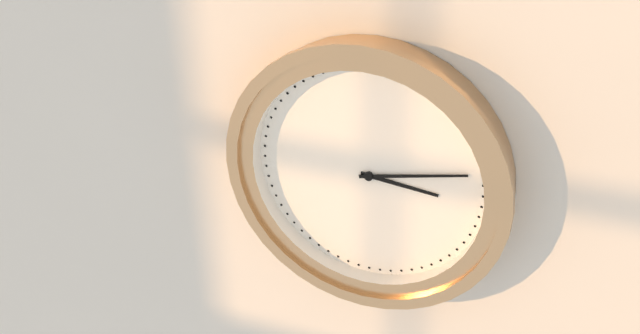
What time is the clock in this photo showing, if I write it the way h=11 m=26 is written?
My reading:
h=3 m=13
